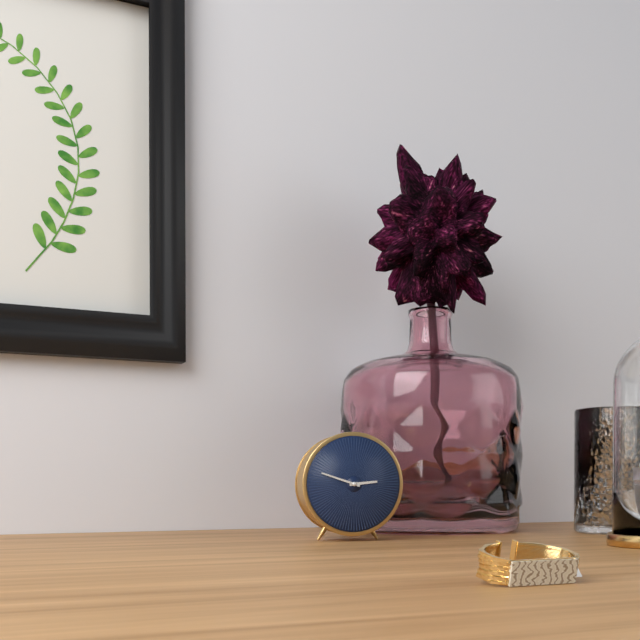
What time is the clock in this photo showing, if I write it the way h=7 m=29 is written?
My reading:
h=2 m=48
